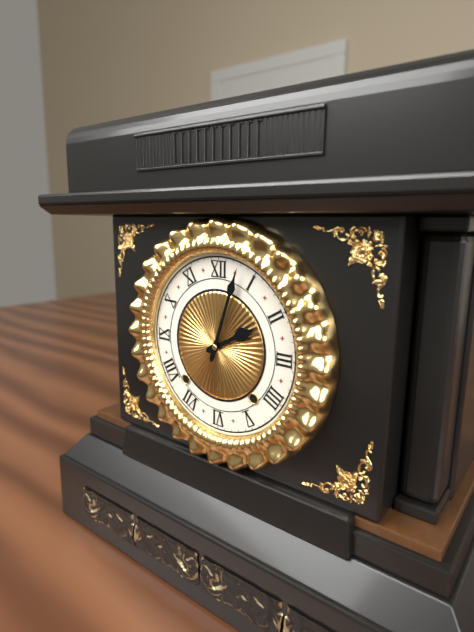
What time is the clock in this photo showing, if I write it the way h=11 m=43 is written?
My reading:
h=2 m=3
